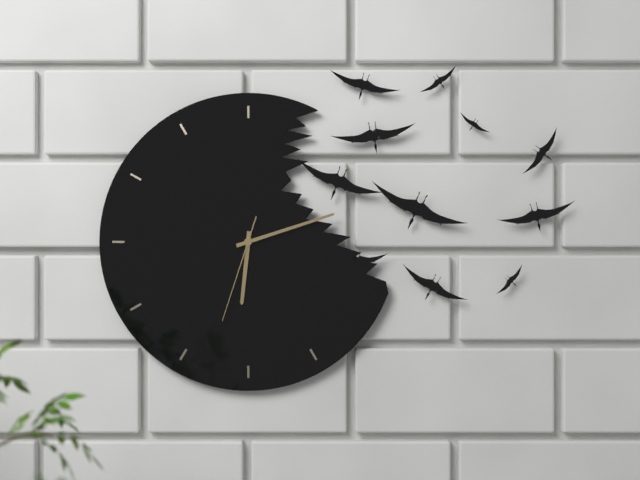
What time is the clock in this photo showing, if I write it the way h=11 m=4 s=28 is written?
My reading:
h=6 m=12 s=33
